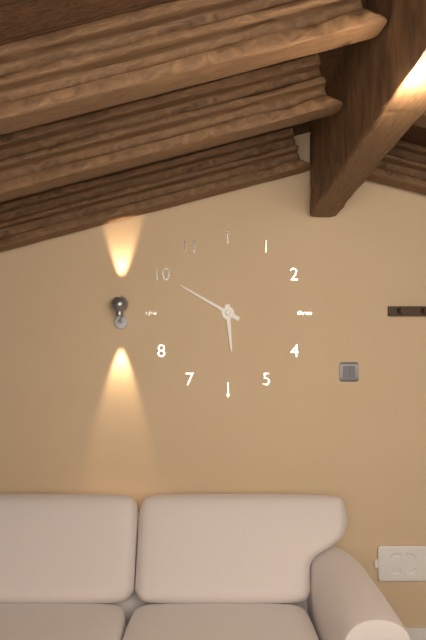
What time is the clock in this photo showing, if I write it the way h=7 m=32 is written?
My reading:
h=5 m=50
